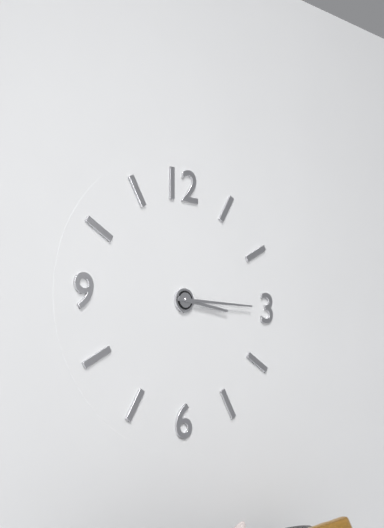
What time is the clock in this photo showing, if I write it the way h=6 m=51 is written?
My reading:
h=3 m=15
